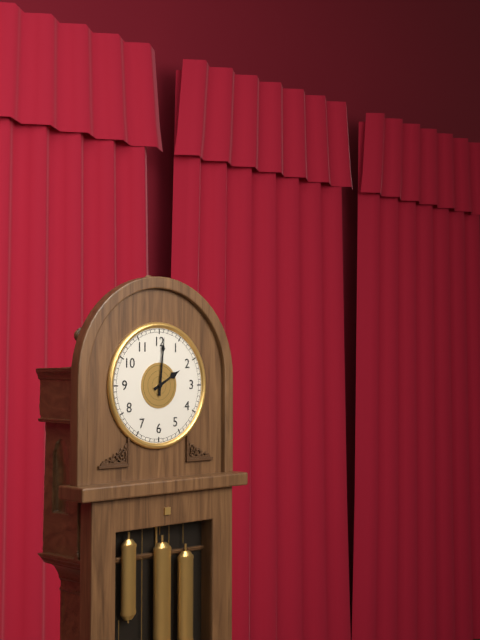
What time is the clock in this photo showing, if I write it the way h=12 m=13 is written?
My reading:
h=2 m=1
